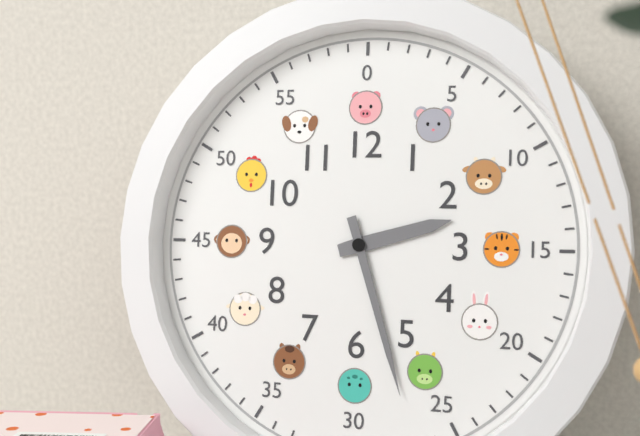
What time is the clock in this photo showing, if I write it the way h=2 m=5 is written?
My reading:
h=2 m=27
